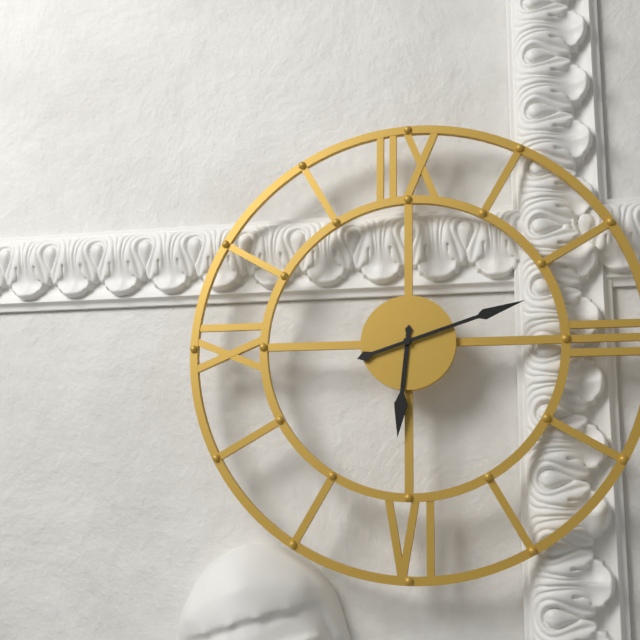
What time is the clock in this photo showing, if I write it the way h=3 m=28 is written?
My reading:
h=6 m=12
